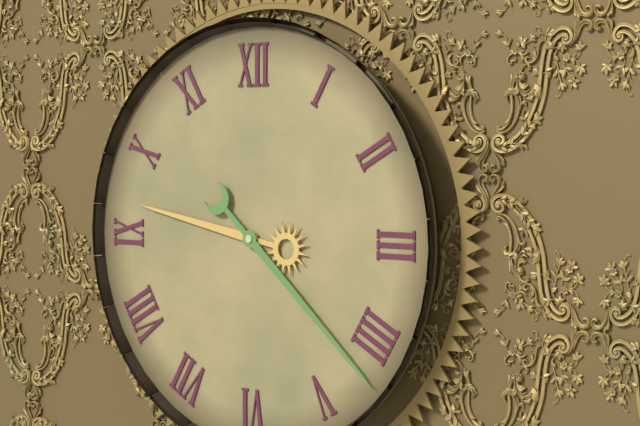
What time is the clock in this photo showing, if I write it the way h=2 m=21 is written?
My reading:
h=9 m=22
